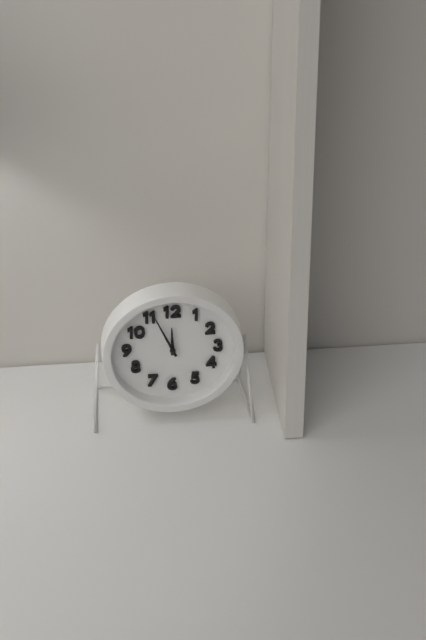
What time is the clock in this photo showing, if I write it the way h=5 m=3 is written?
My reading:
h=11 m=56
